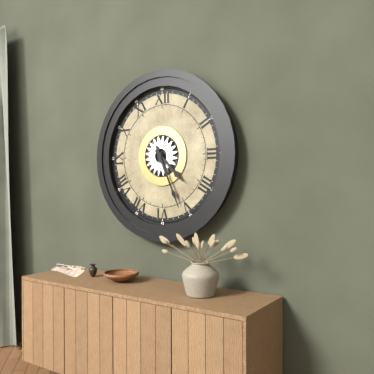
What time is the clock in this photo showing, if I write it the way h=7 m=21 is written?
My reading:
h=4 m=26
